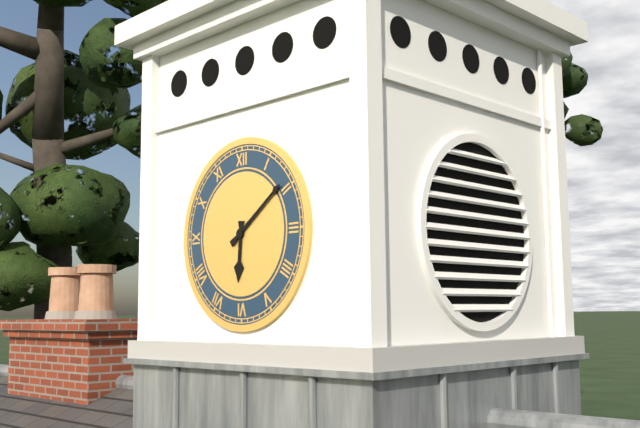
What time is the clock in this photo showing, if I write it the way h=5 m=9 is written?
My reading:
h=6 m=9
